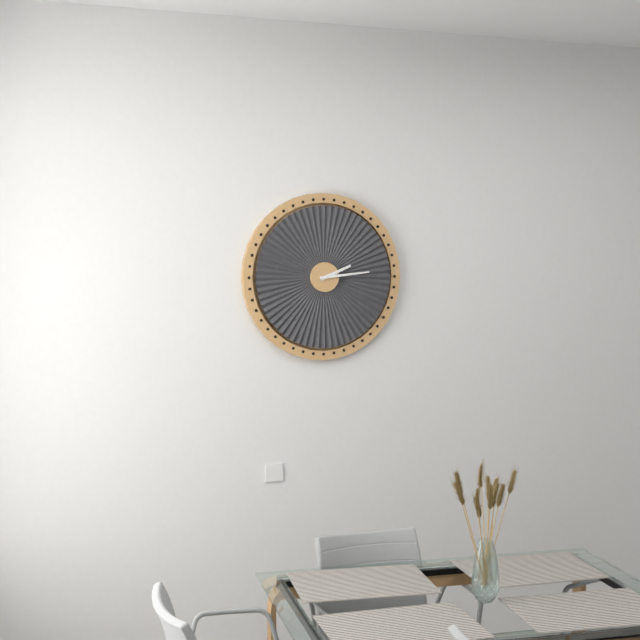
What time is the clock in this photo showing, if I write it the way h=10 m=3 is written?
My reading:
h=2 m=14
